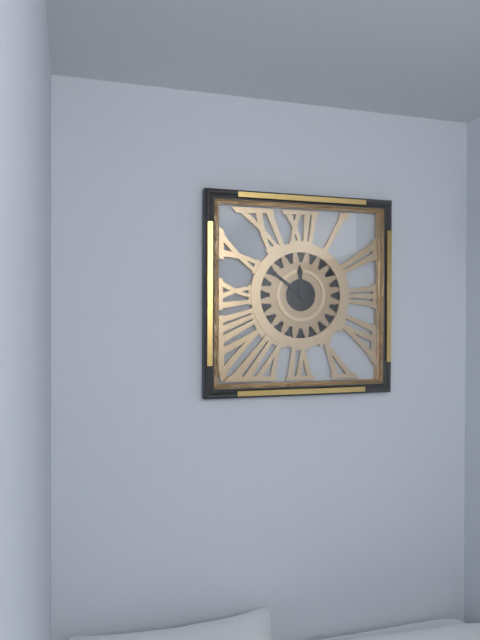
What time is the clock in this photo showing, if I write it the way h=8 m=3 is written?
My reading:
h=11 m=51
